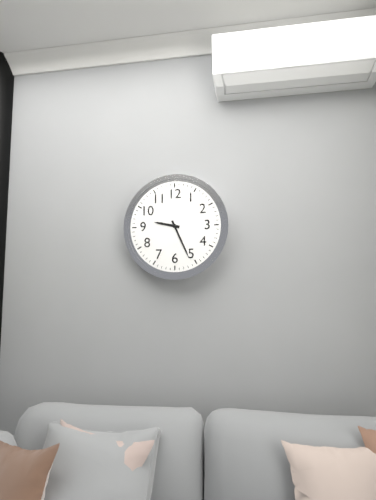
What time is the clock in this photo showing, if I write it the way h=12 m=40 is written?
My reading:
h=9 m=26
